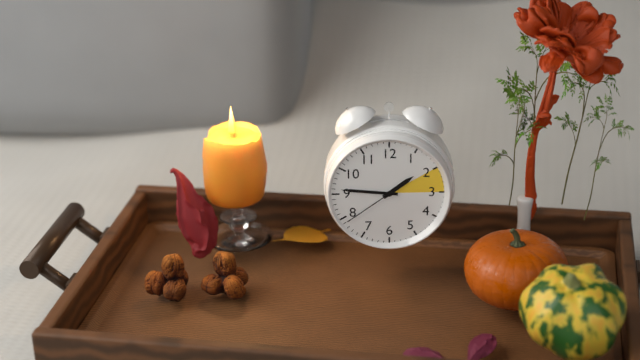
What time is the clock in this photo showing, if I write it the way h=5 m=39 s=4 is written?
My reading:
h=1 m=46 s=39
